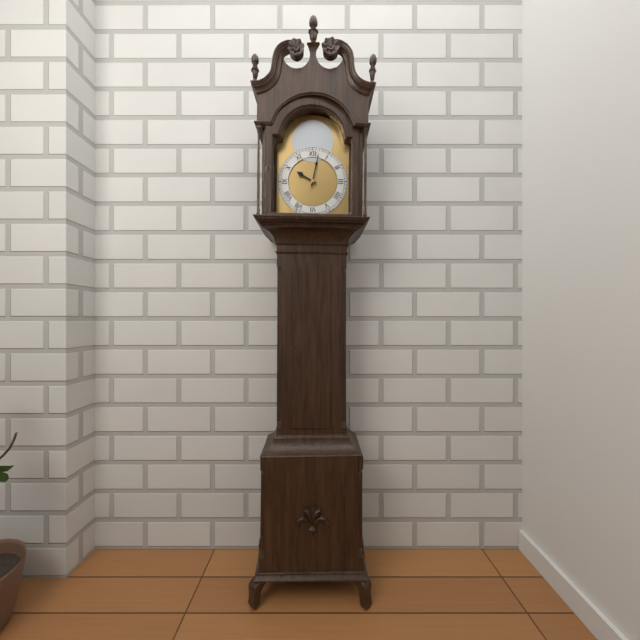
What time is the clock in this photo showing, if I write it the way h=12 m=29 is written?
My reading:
h=10 m=2
